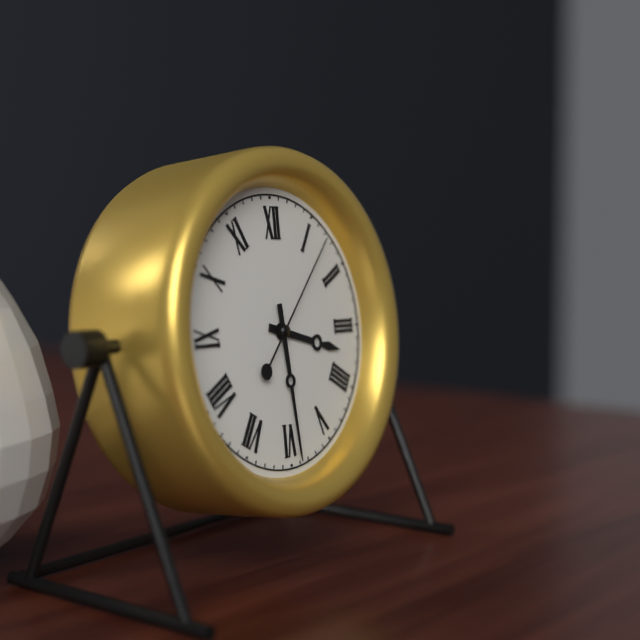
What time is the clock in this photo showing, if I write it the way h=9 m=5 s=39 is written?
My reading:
h=3 m=29 s=7
